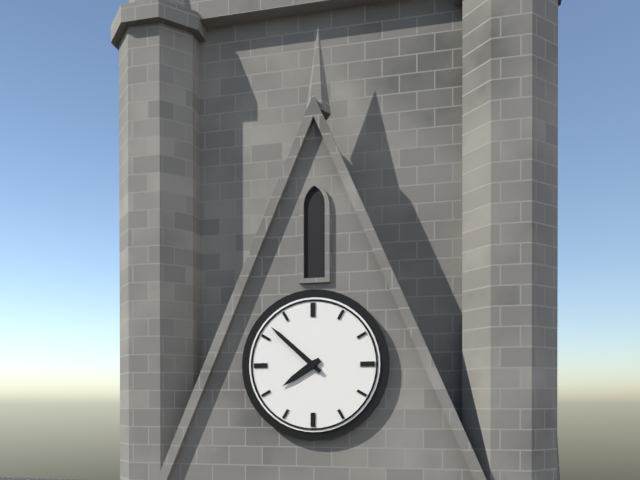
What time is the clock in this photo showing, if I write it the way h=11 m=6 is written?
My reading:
h=7 m=52
